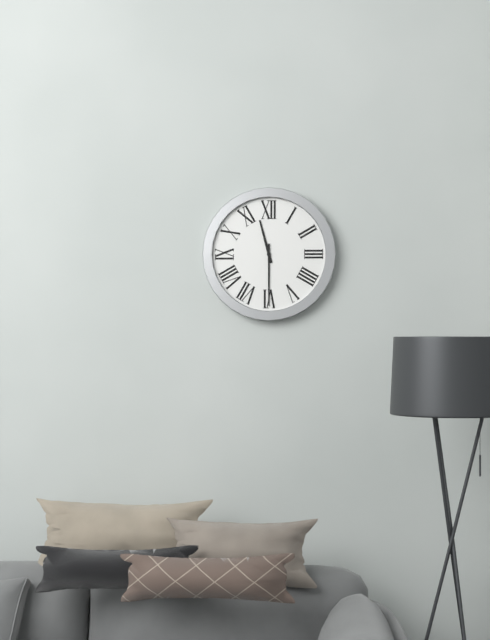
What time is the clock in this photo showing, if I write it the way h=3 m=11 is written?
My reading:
h=11 m=30
